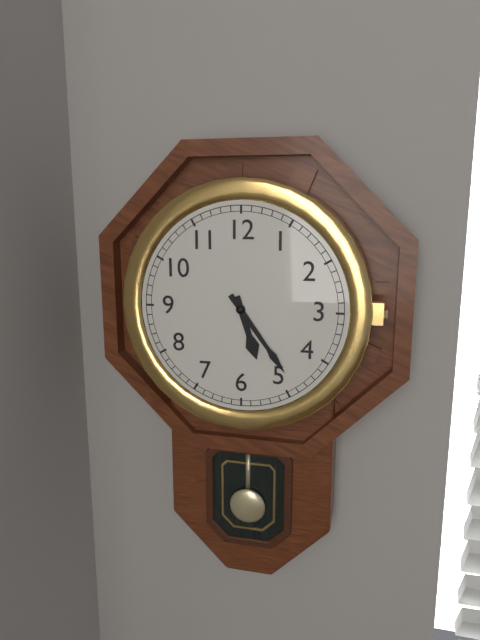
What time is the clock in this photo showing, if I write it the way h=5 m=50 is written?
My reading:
h=5 m=24
